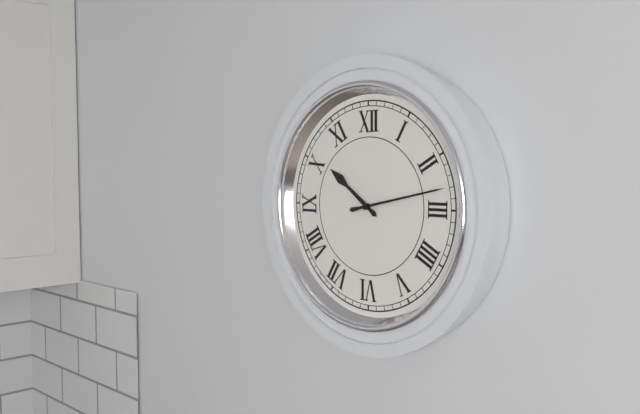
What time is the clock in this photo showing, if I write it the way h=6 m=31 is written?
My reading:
h=10 m=13
